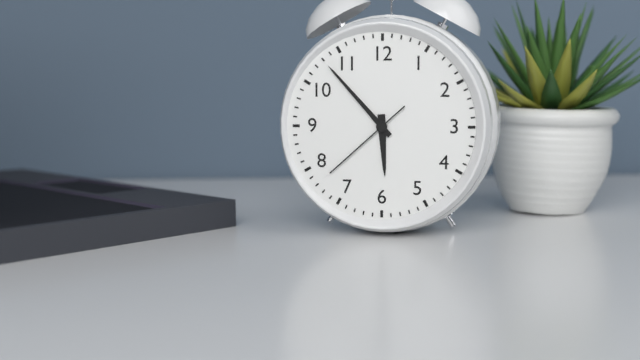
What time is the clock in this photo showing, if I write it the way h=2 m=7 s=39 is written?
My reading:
h=5 m=53 s=38
